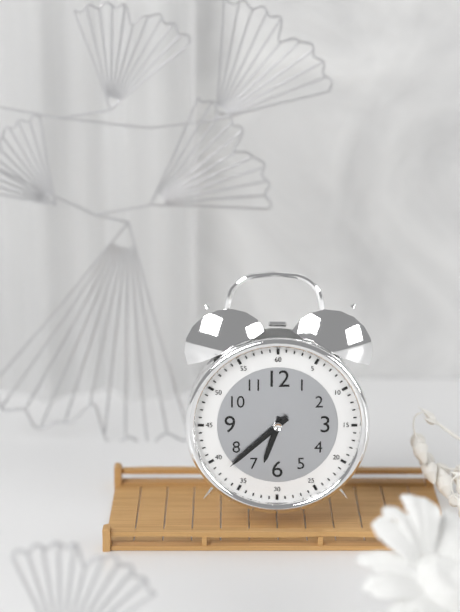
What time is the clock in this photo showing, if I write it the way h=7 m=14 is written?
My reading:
h=6 m=38
